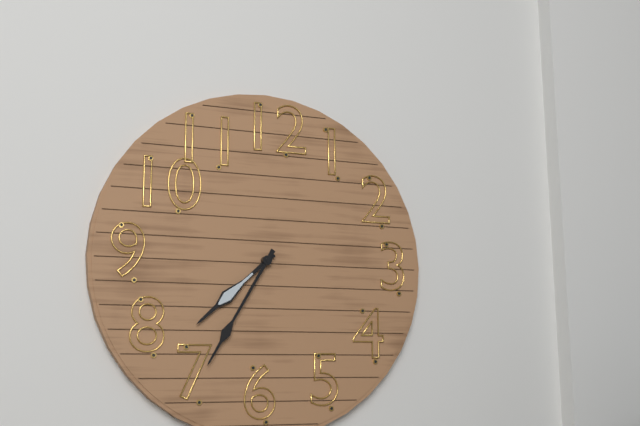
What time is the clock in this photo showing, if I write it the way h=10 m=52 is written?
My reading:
h=7 m=35
